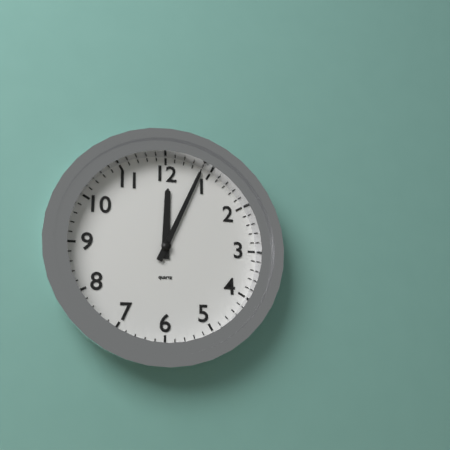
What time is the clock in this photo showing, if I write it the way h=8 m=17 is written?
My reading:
h=12 m=4
